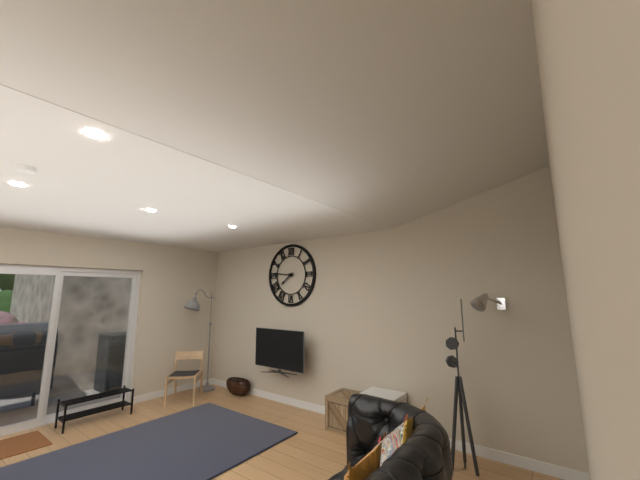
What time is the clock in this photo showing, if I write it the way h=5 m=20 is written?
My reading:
h=7 m=46
